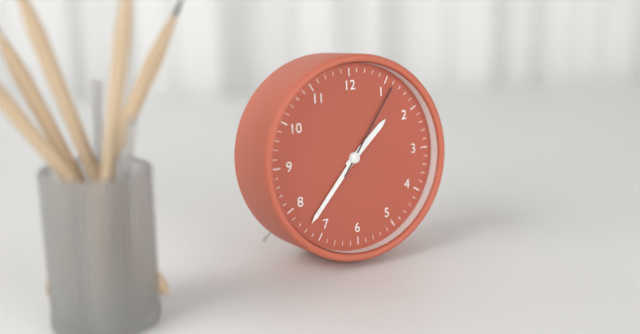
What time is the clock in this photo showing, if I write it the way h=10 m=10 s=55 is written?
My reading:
h=1 m=37 s=6
